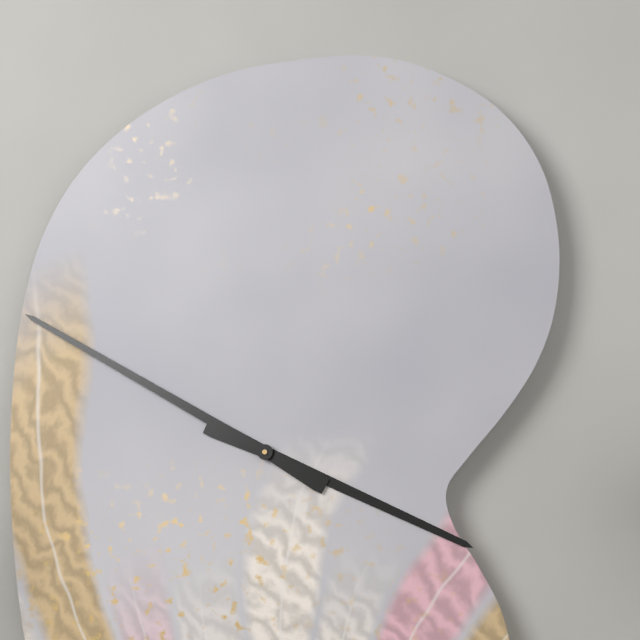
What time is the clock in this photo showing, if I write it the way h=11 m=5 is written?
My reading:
h=3 m=50
